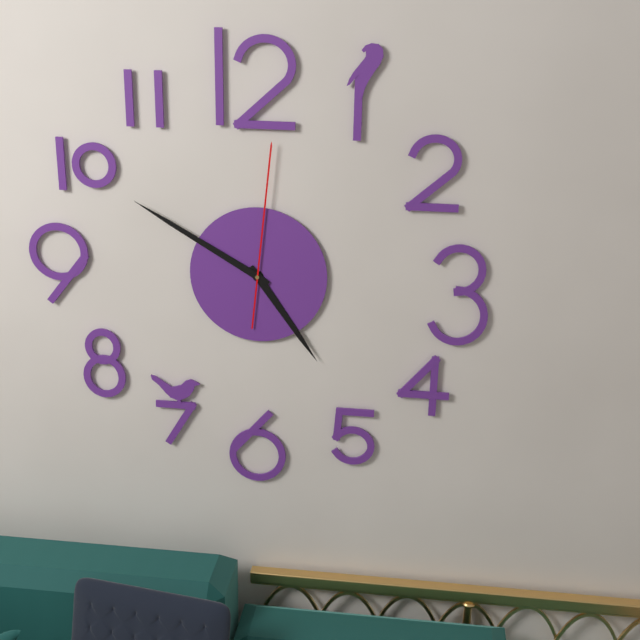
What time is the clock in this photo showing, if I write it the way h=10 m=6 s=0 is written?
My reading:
h=4 m=50 s=1
